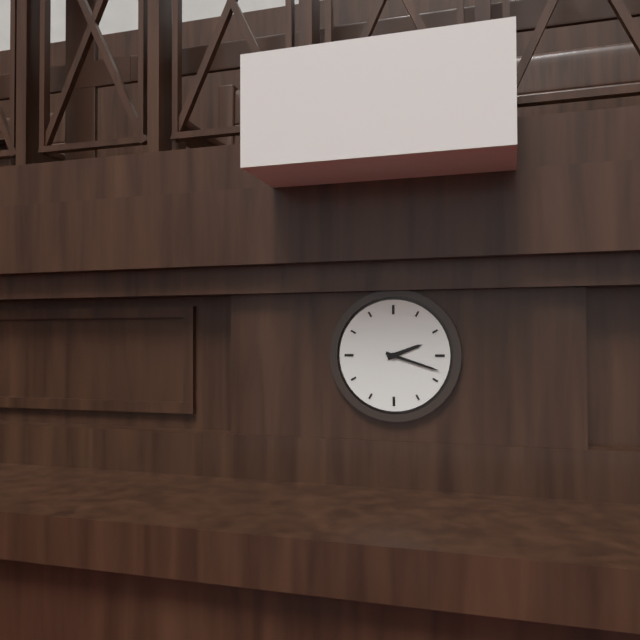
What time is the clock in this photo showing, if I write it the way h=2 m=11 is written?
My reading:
h=2 m=18
